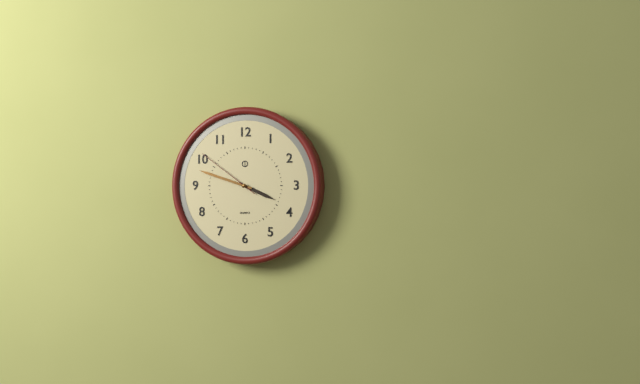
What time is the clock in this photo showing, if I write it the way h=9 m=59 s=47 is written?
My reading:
h=3 m=48 s=51
